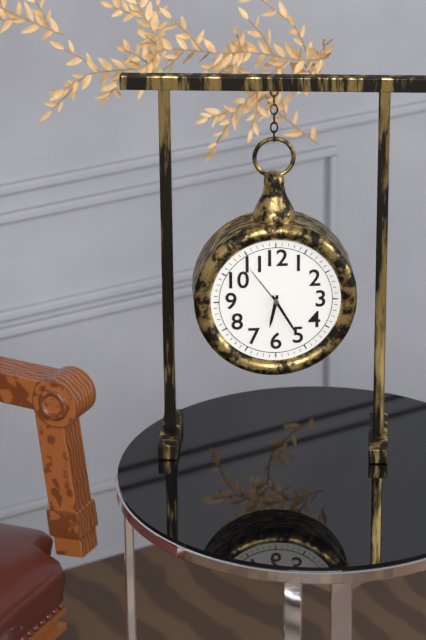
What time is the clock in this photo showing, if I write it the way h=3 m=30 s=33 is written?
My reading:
h=6 m=25 s=54
